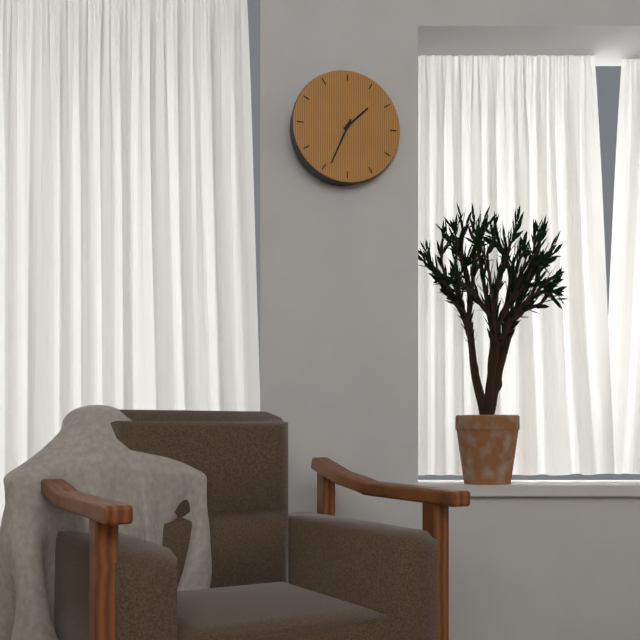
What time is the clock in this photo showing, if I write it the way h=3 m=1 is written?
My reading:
h=1 m=34
